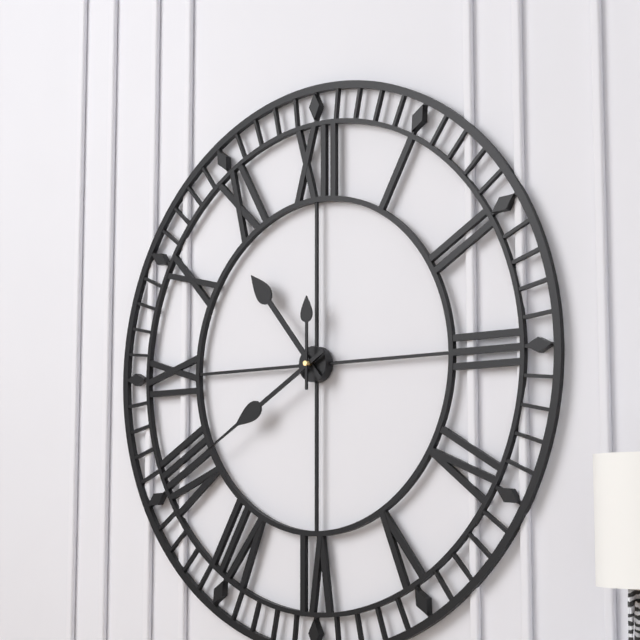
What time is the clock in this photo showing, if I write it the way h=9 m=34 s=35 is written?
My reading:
h=10 m=40 s=0
